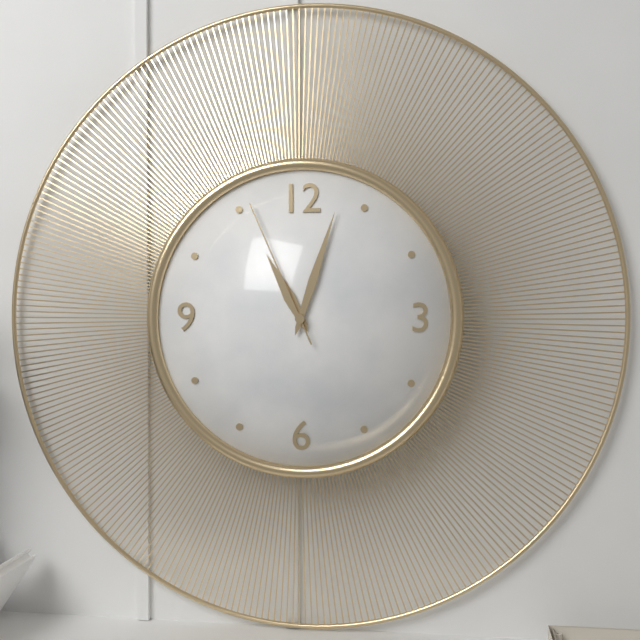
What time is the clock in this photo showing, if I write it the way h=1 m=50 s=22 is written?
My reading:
h=11 m=3 s=56
